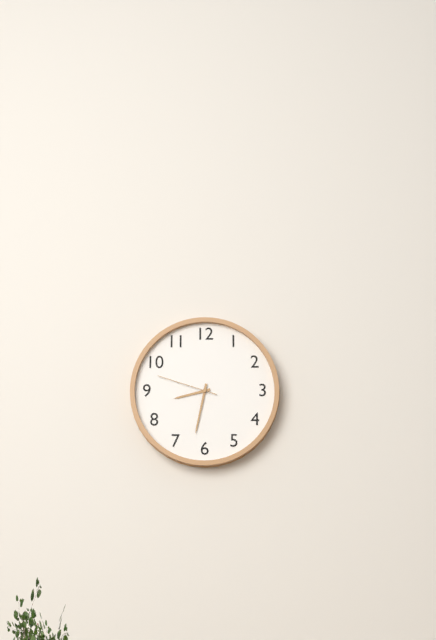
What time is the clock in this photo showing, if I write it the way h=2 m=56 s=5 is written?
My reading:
h=8 m=32 s=48
